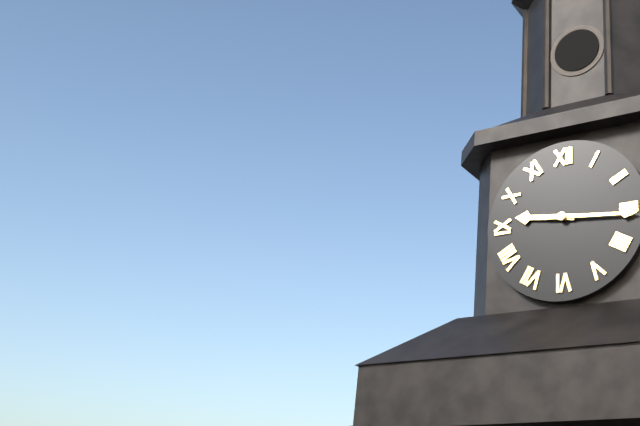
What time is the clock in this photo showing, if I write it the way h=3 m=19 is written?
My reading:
h=9 m=16
